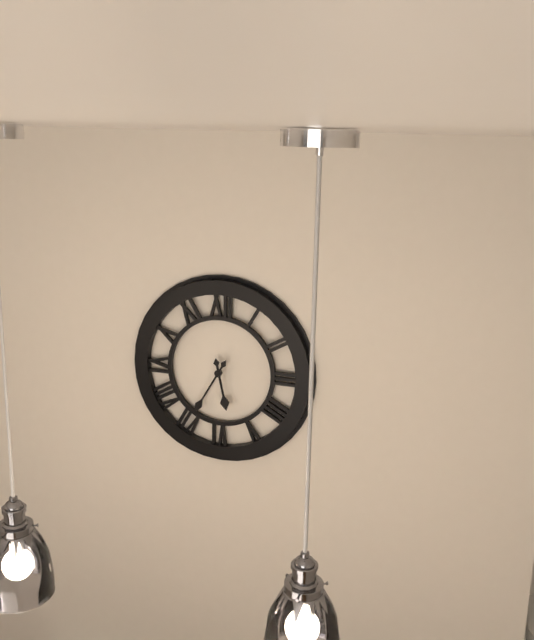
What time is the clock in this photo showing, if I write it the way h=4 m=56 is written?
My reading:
h=5 m=35
